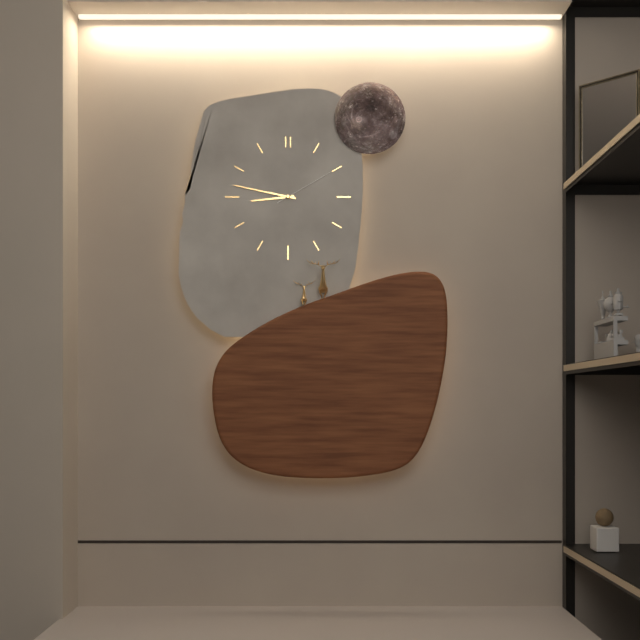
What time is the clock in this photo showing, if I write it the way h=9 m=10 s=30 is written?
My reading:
h=8 m=47 s=10
